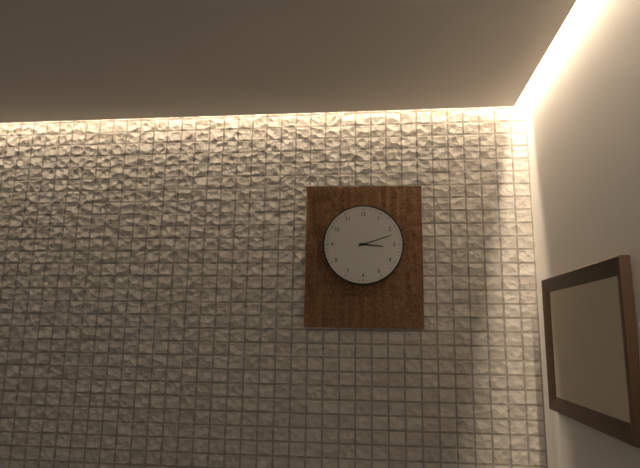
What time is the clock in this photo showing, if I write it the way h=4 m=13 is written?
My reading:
h=3 m=12
